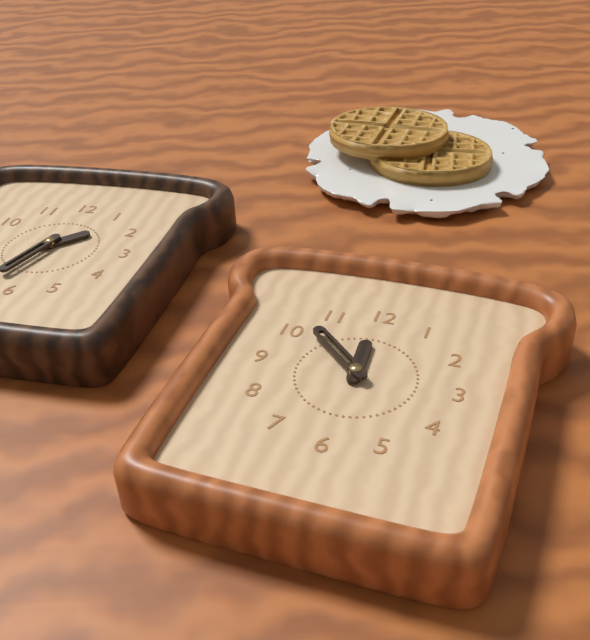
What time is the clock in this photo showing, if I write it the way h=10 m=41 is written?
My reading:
h=11 m=52
